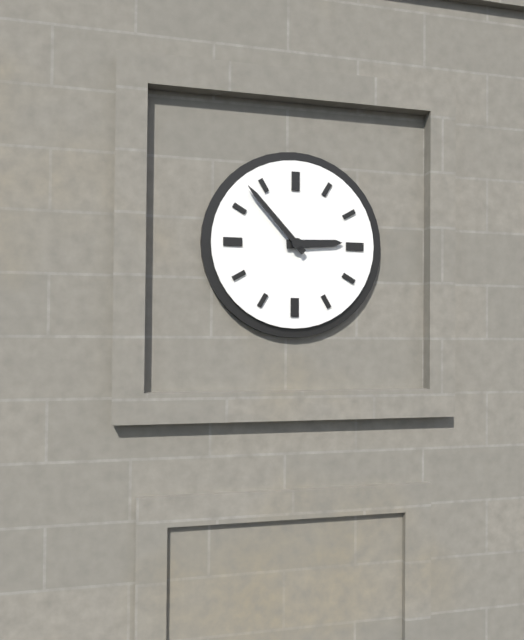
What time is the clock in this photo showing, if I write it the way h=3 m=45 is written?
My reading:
h=2 m=53
